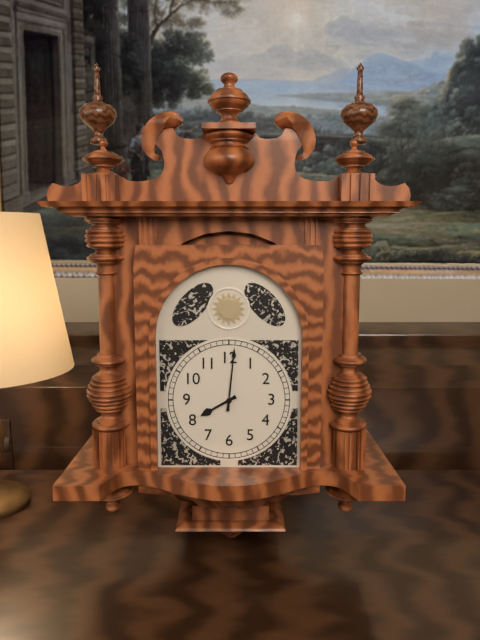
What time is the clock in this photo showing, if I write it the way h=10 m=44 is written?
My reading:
h=8 m=1
